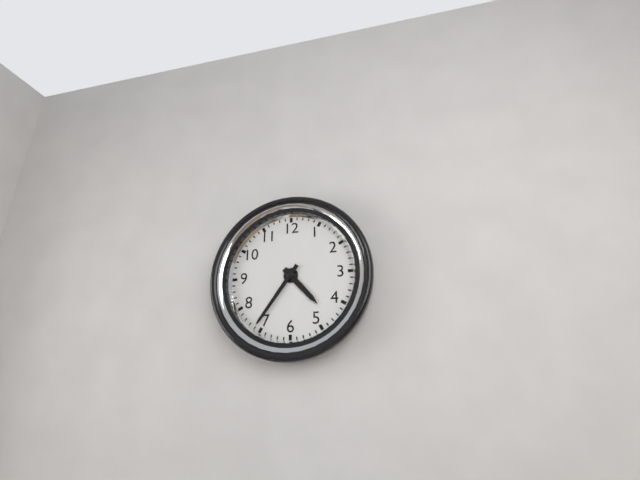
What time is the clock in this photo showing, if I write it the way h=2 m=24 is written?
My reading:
h=4 m=36
